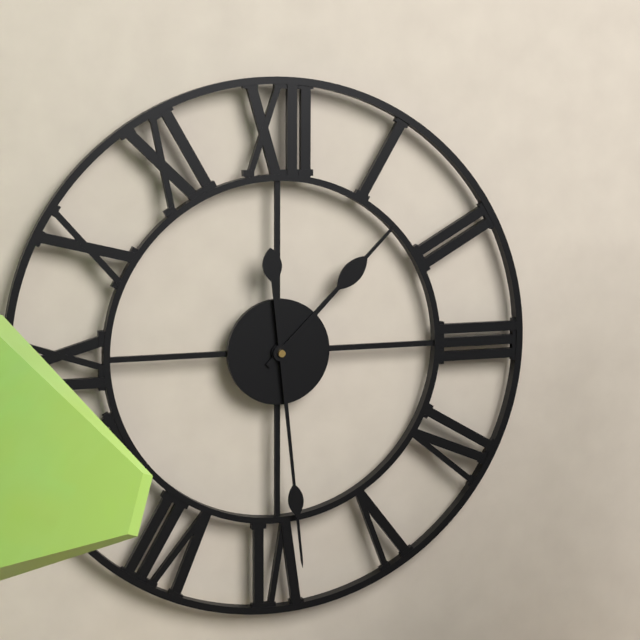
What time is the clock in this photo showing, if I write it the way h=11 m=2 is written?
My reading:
h=1 m=29
